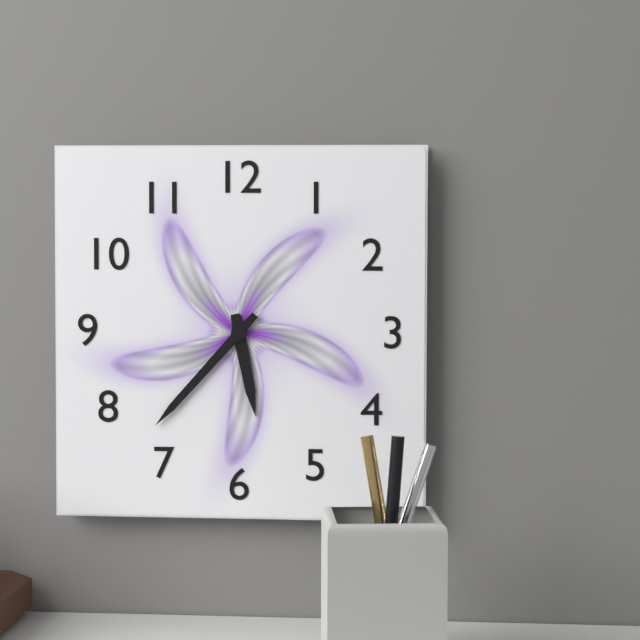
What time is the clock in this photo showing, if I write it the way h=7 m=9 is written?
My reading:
h=5 m=37
